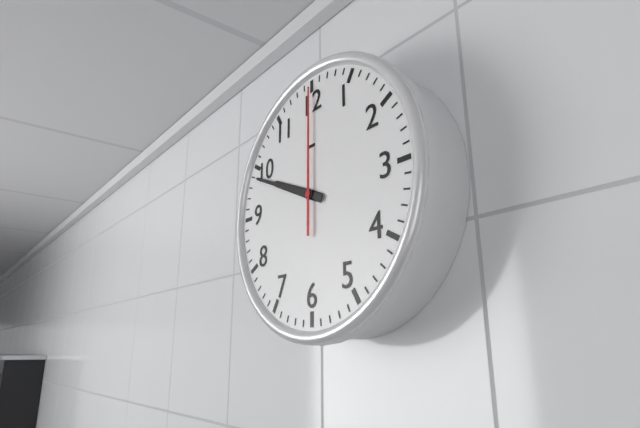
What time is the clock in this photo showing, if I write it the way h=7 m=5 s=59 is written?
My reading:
h=9 m=49 s=0
